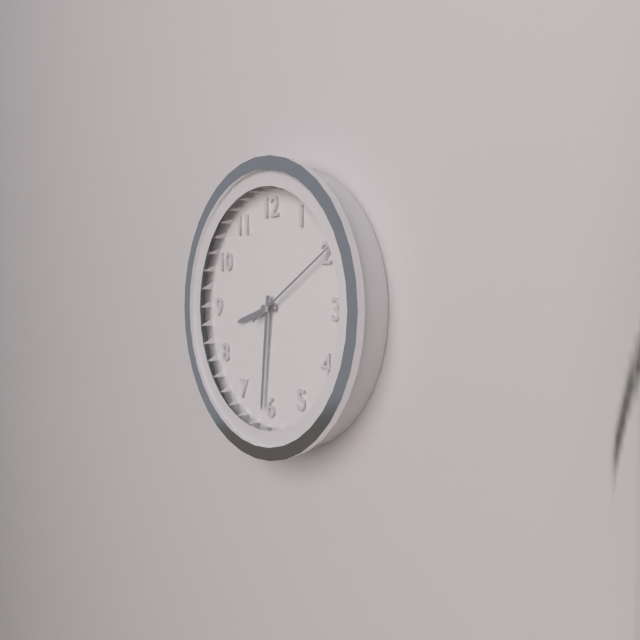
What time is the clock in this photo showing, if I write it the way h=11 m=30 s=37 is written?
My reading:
h=8 m=31 s=10
